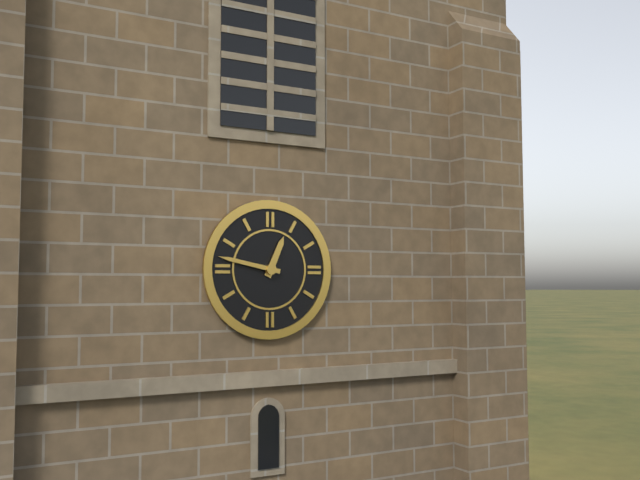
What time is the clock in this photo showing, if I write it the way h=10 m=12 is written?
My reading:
h=12 m=47
